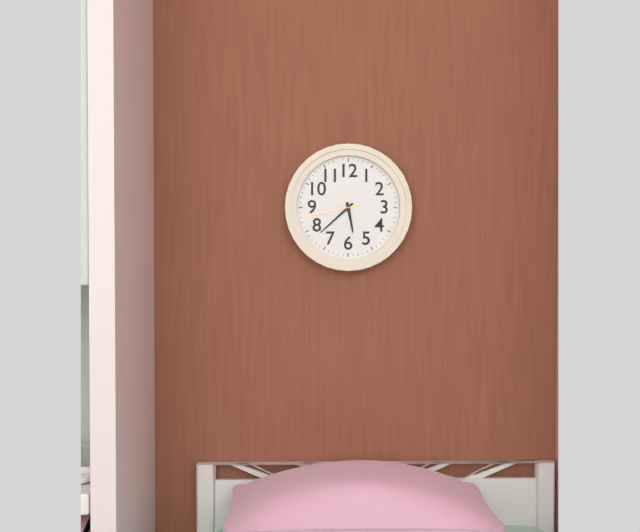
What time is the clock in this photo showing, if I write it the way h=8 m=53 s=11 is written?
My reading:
h=5 m=38 s=43
